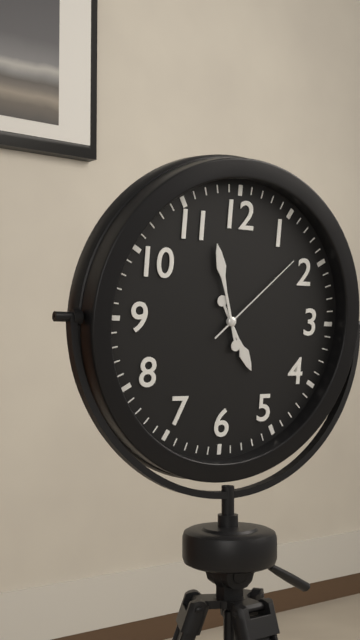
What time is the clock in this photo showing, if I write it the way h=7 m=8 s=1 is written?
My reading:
h=4 m=57 s=8
